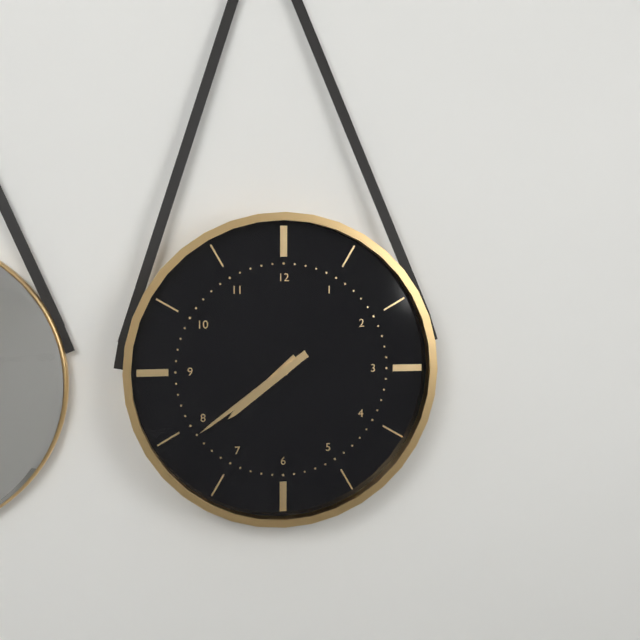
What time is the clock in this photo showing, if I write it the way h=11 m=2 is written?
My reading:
h=7 m=39
